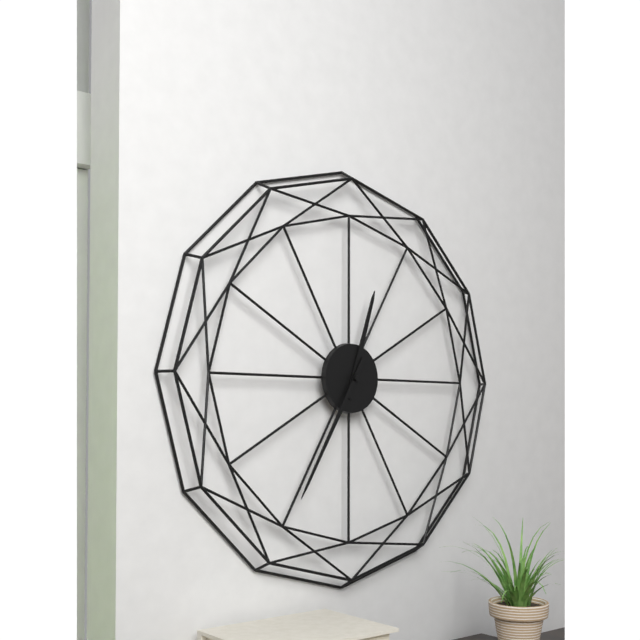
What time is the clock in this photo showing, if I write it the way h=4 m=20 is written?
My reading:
h=12 m=35
